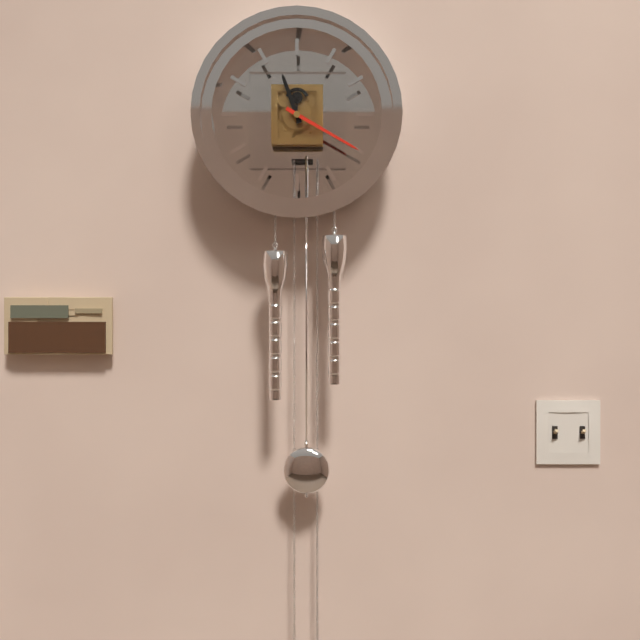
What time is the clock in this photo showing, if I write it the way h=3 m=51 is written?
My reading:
h=11 m=20
